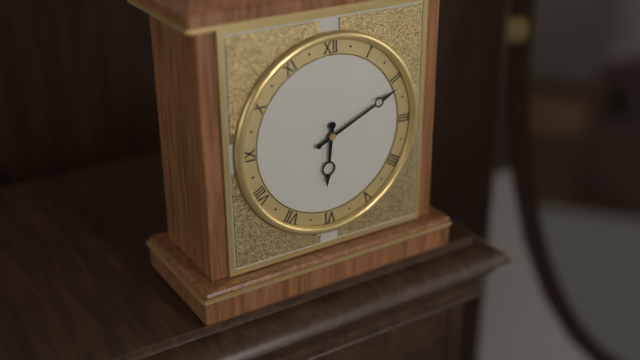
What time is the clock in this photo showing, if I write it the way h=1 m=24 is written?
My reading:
h=6 m=11
